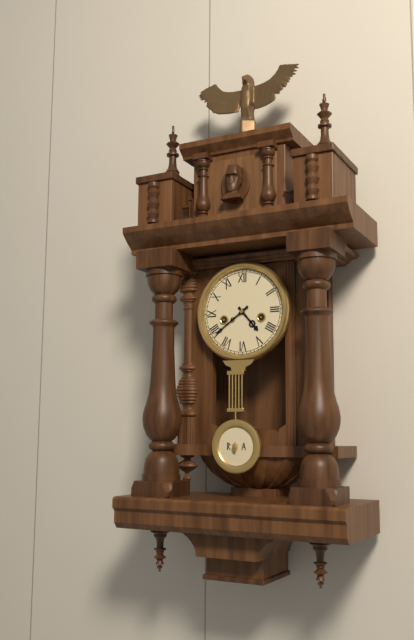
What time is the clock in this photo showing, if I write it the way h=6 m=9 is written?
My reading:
h=4 m=39
